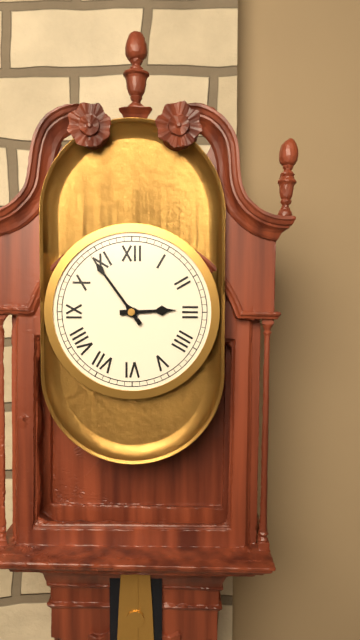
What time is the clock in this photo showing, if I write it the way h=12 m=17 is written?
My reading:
h=2 m=54
